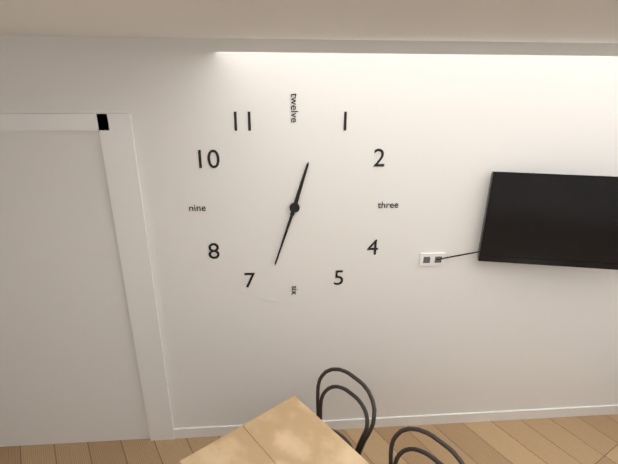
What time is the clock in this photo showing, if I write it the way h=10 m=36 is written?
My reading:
h=12 m=33
